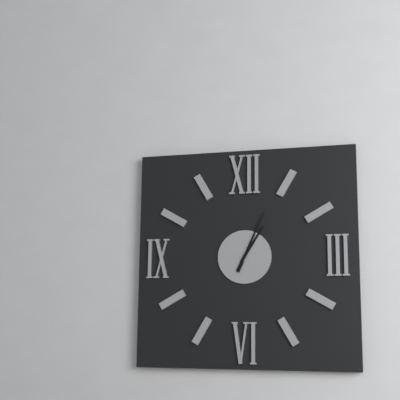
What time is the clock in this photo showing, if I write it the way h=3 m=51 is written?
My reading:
h=1 m=4
